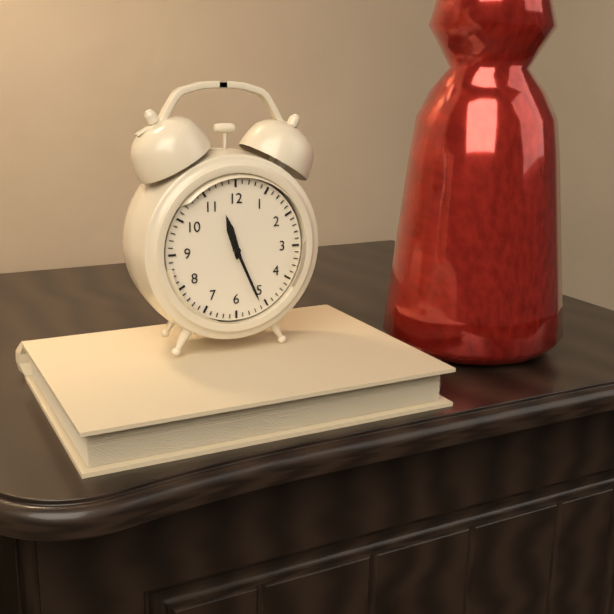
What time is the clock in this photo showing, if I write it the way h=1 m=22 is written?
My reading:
h=11 m=26
